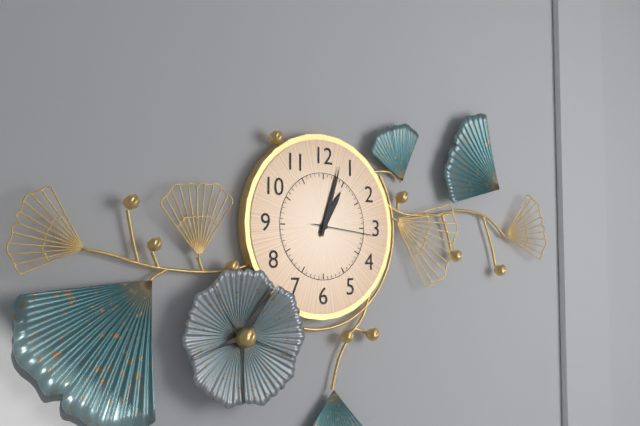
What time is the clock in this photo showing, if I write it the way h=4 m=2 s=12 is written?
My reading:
h=1 m=3 s=16
